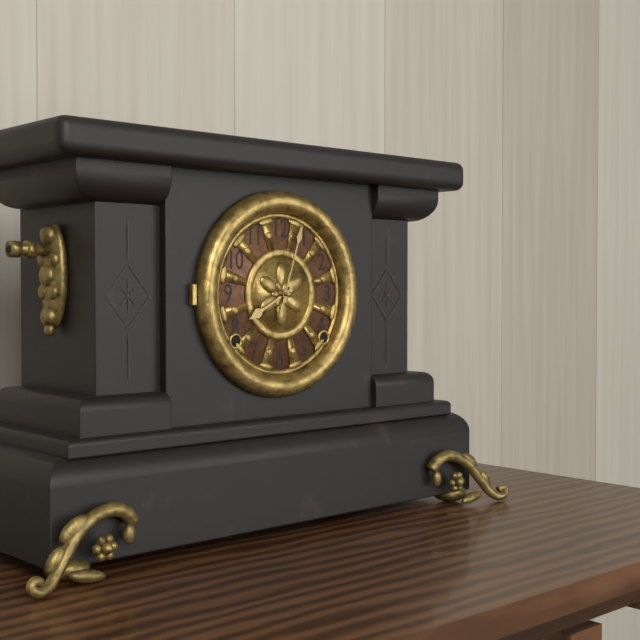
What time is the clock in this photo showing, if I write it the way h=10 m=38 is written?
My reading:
h=8 m=3
